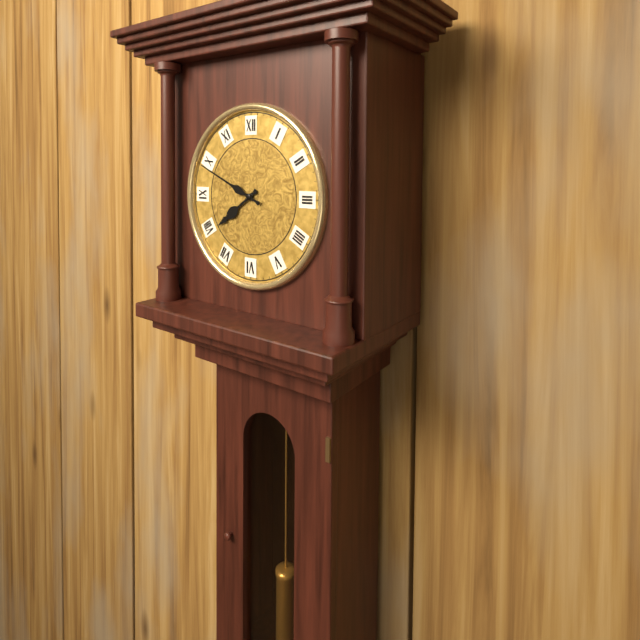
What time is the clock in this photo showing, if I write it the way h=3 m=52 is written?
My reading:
h=7 m=49
